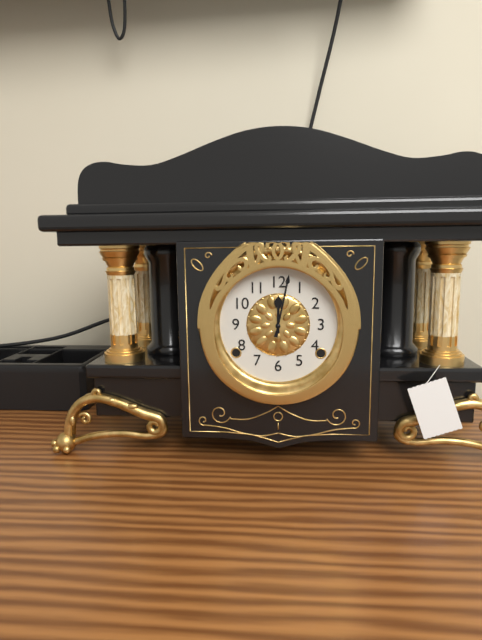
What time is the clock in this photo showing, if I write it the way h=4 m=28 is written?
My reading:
h=12 m=2
